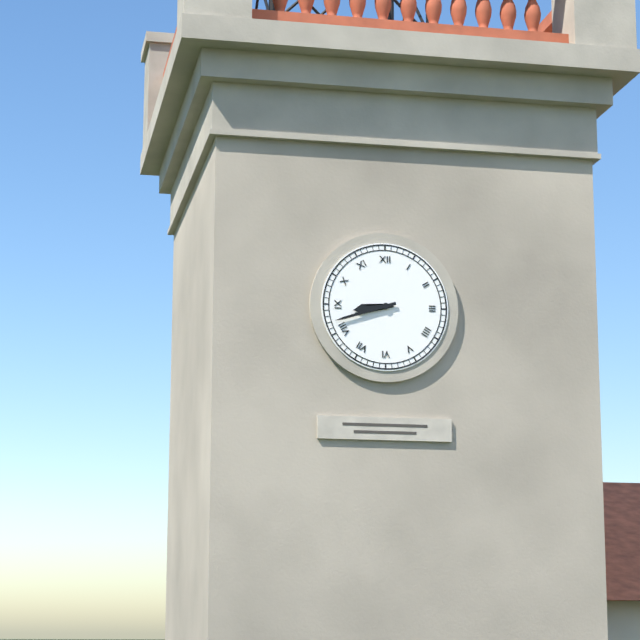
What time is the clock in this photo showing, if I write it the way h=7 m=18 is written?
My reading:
h=8 m=42
